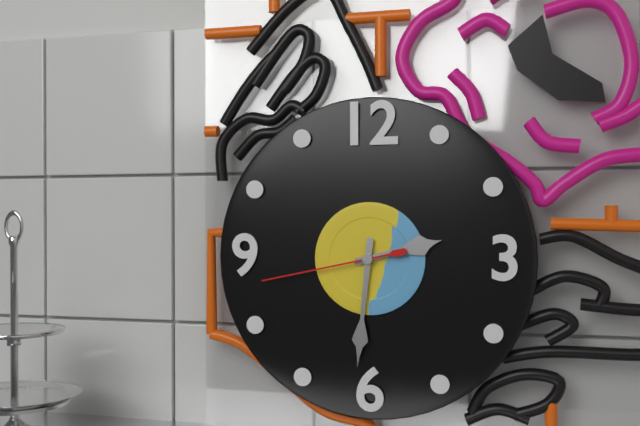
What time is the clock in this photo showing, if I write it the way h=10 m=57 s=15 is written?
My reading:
h=2 m=31 s=43
